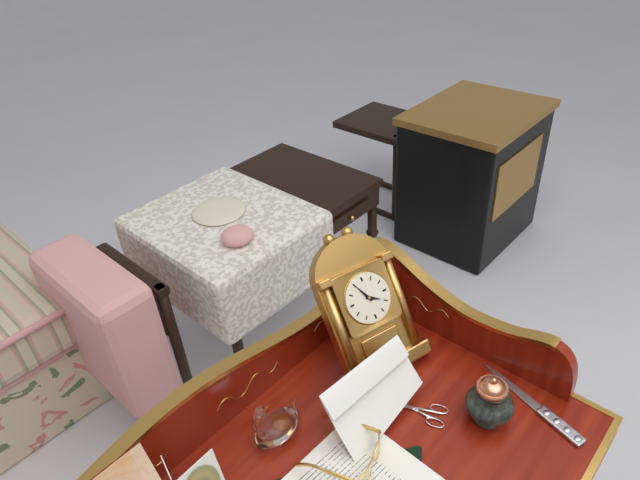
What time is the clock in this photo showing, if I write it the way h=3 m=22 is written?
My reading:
h=3 m=55
